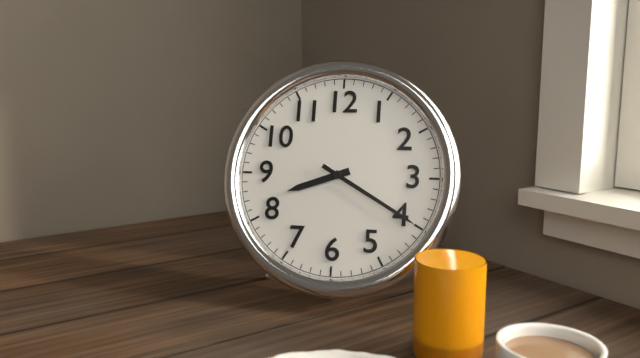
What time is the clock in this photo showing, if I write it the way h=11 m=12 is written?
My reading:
h=8 m=20
